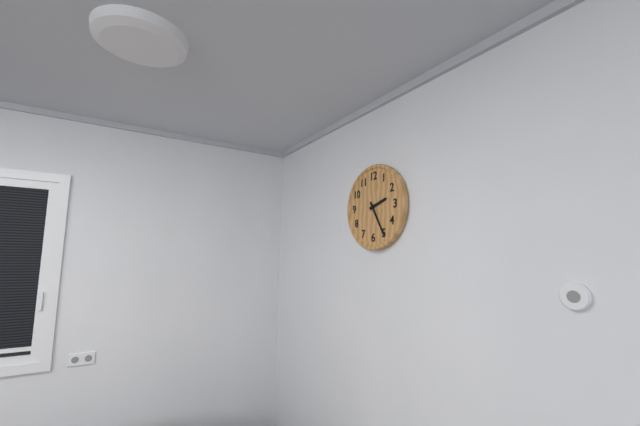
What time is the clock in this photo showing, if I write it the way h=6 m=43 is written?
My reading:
h=2 m=25
